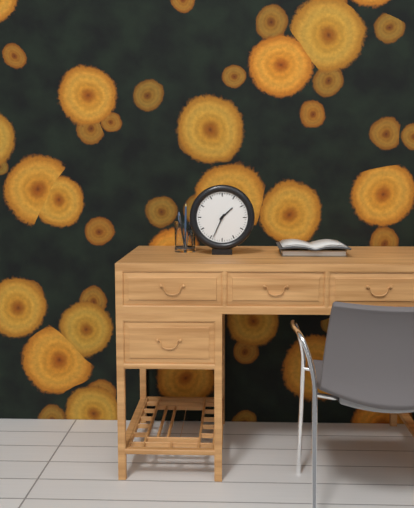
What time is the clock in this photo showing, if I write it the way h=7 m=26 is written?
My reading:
h=1 m=34
